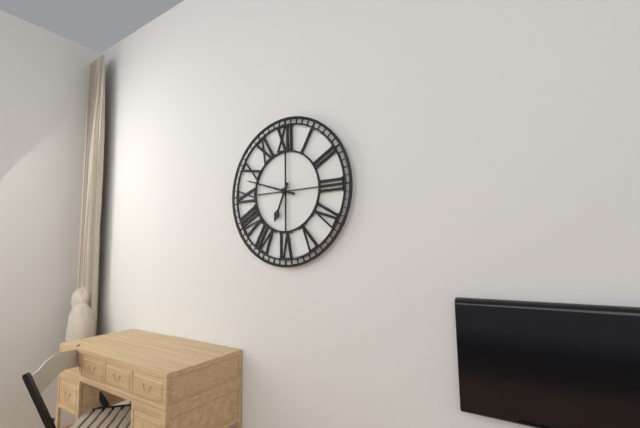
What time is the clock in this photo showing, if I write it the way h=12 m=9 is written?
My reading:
h=6 m=48
